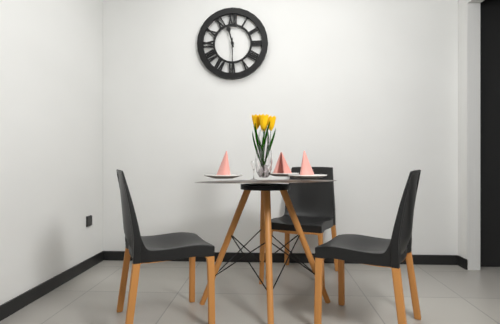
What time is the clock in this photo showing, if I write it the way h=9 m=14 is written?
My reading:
h=11 m=30
